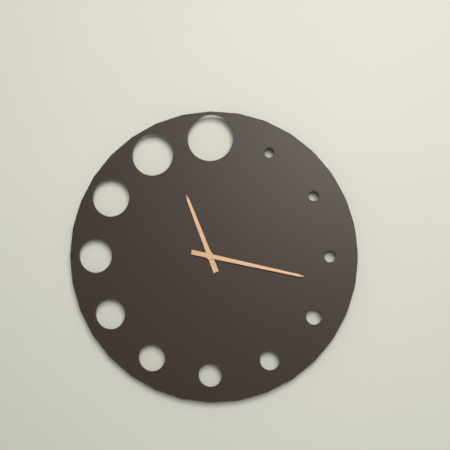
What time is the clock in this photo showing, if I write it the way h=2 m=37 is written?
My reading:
h=11 m=17
